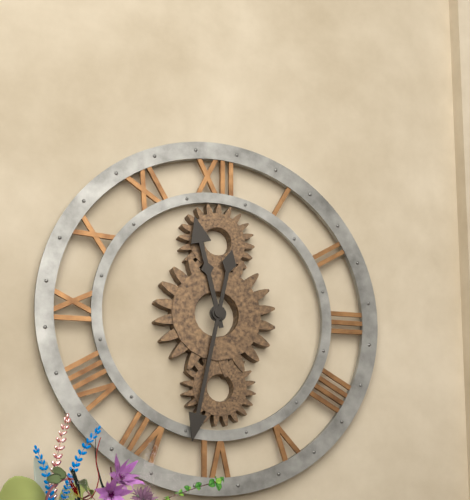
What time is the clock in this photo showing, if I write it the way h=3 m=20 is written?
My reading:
h=11 m=32
